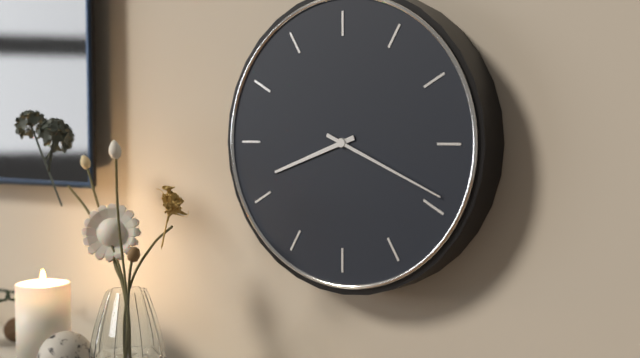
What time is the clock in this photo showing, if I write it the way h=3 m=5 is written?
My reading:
h=8 m=19
